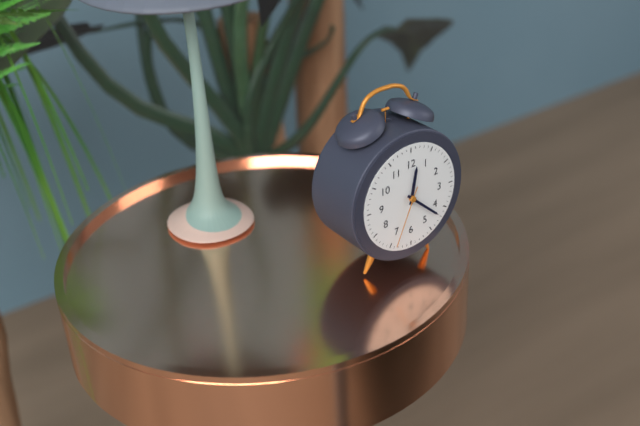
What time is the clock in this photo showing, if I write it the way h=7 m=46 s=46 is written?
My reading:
h=12 m=22 s=34
